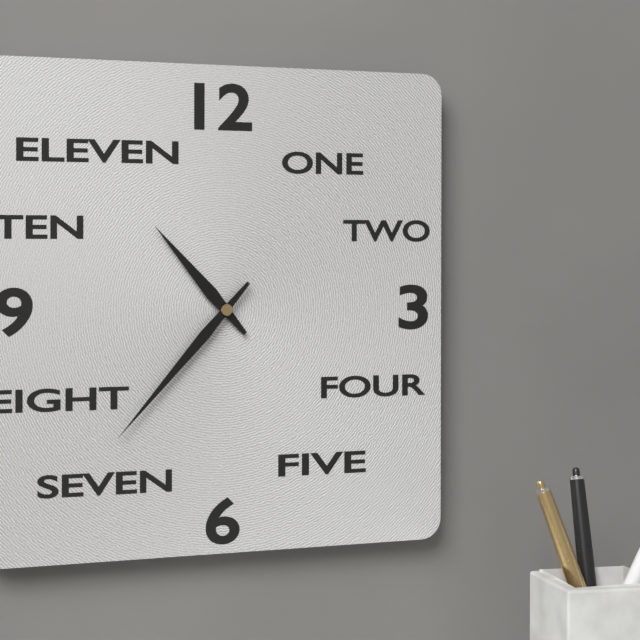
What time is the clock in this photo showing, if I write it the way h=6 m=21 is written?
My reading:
h=10 m=37
